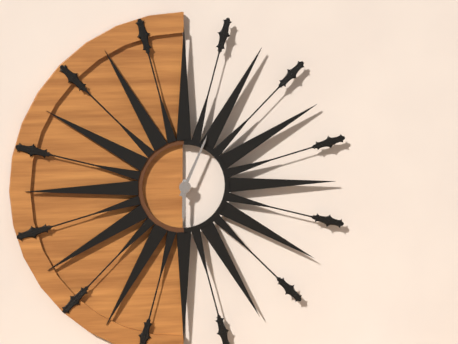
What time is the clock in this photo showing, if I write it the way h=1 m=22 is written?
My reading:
h=6 m=4
